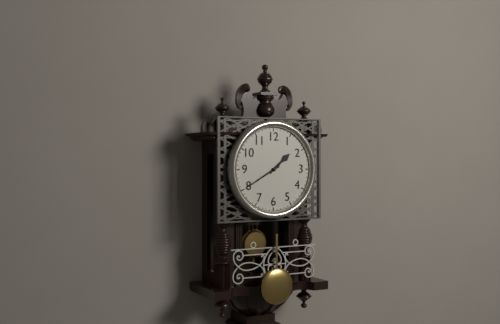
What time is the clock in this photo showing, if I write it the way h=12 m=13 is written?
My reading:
h=1 m=40
